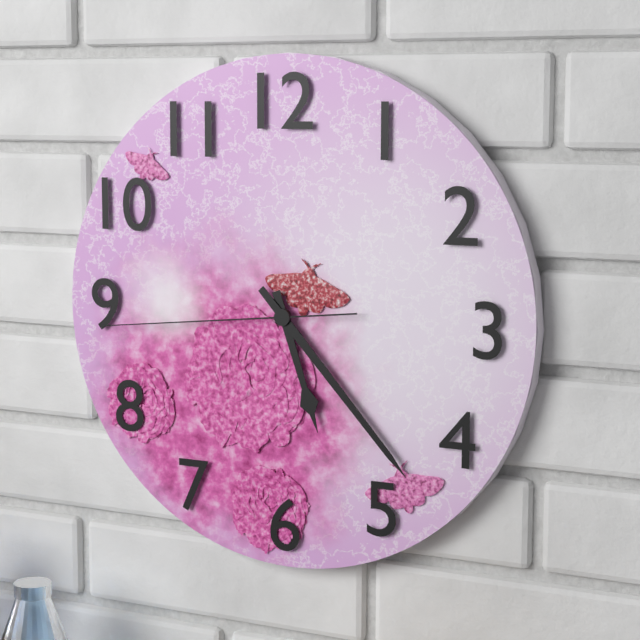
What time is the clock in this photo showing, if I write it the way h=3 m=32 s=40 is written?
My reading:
h=5 m=23 s=44
